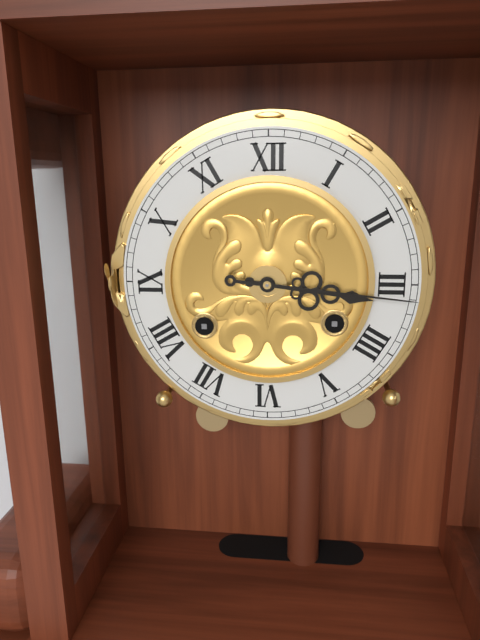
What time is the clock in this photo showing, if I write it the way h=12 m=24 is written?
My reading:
h=3 m=16
